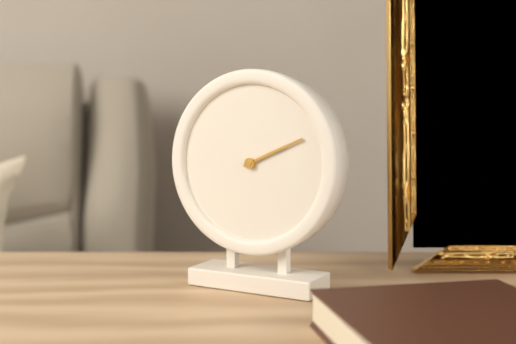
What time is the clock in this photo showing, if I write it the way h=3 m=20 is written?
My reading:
h=2 m=11
